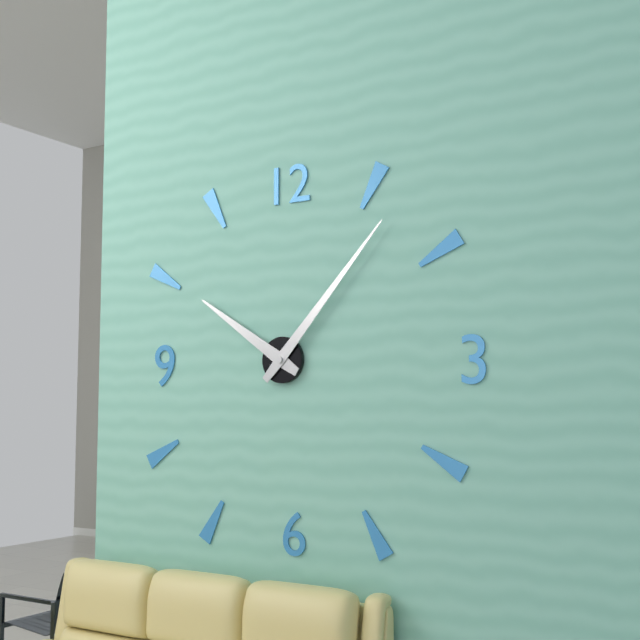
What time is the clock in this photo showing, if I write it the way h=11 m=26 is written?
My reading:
h=10 m=7
